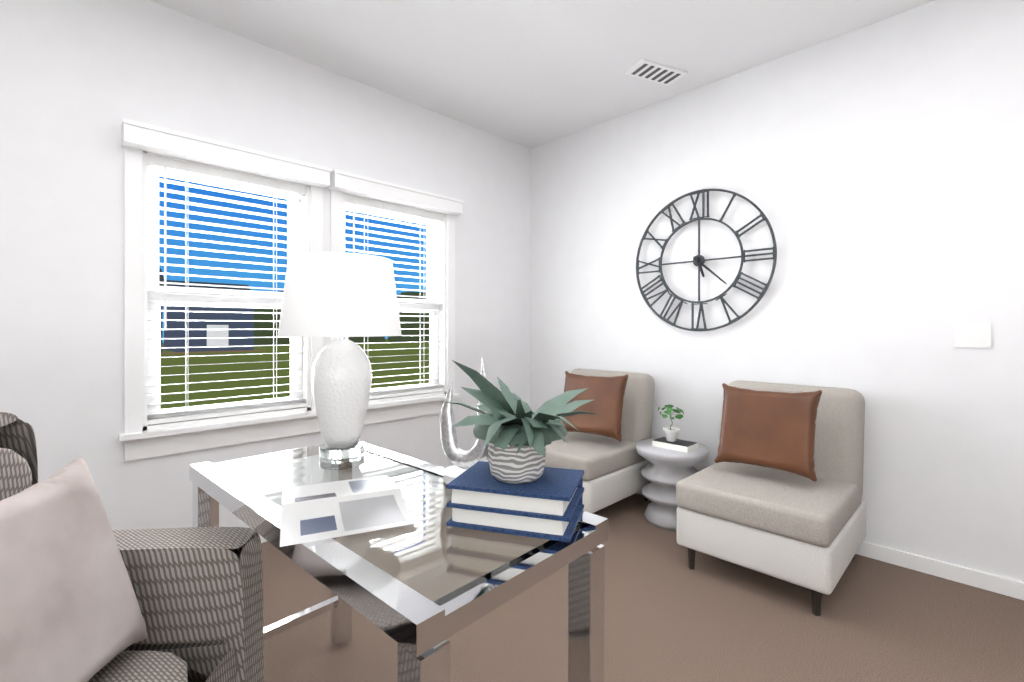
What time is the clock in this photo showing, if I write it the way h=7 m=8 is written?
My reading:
h=5 m=22
